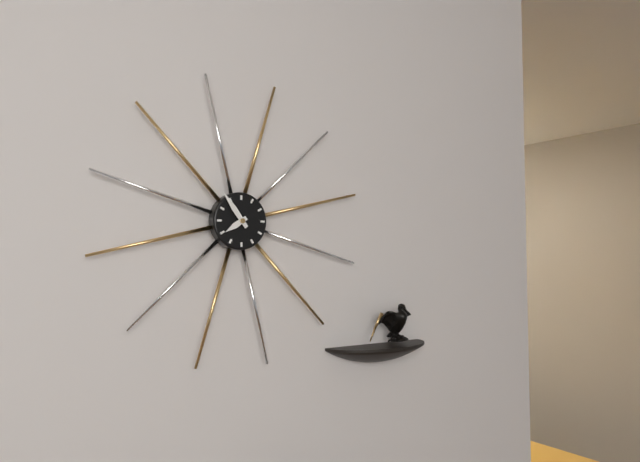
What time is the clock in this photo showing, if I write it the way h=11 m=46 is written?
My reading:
h=7 m=54
